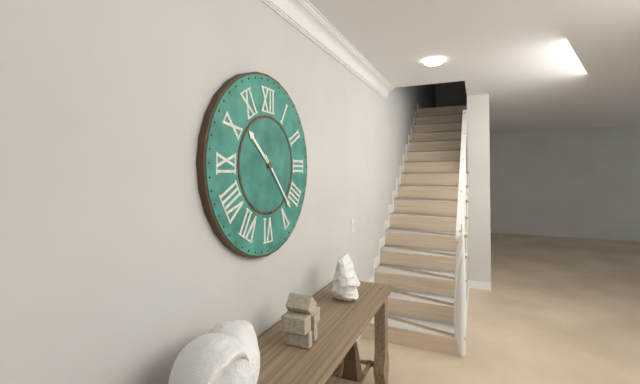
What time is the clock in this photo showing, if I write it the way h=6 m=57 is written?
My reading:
h=10 m=23
